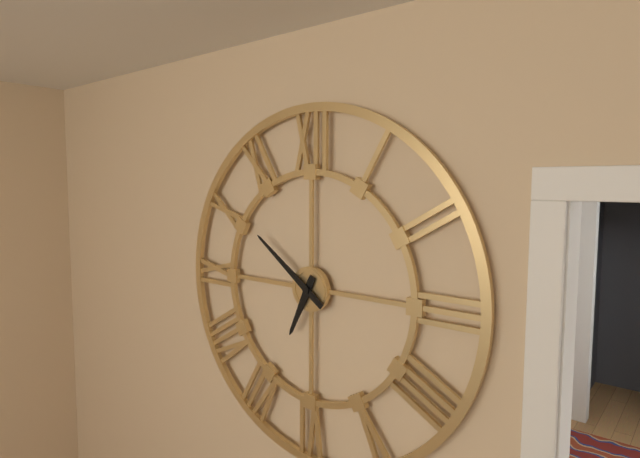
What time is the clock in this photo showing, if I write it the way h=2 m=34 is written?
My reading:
h=6 m=51
